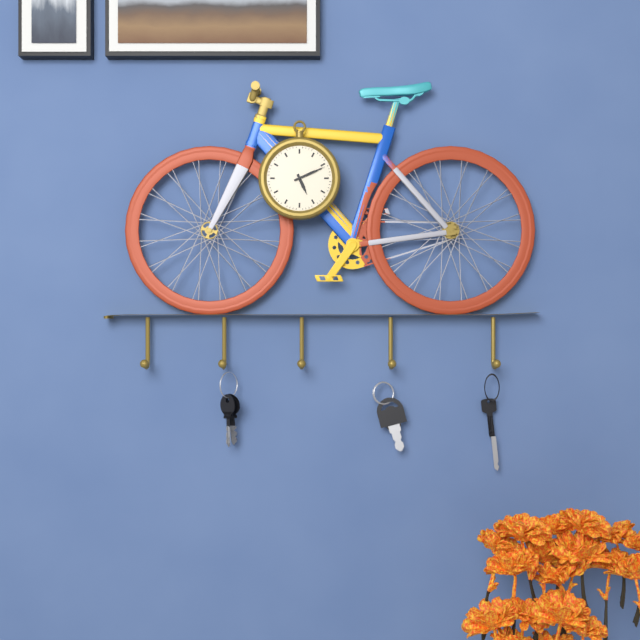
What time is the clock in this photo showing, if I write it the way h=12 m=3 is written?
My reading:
h=5 m=11
